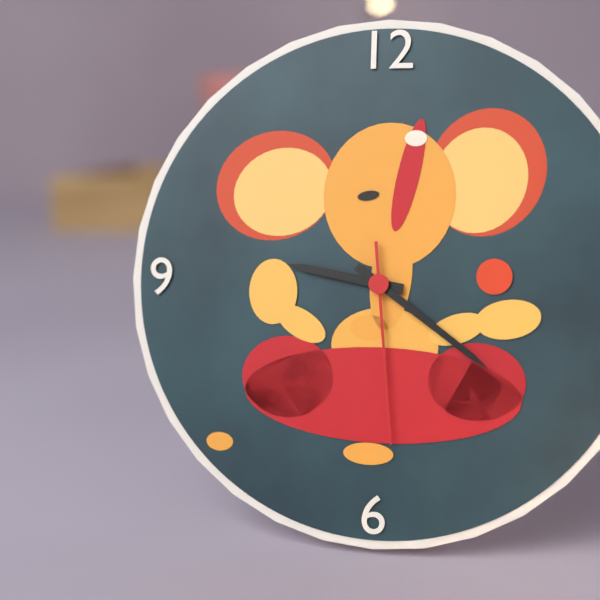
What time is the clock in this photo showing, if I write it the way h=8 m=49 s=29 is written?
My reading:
h=9 m=21 s=29
